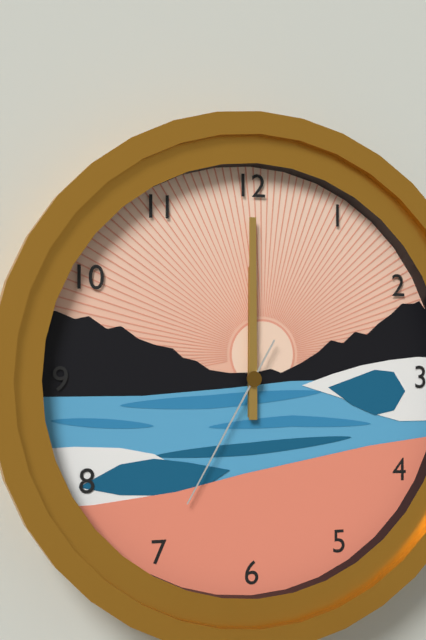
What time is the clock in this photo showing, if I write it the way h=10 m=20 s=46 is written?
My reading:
h=12 m=0 s=35
